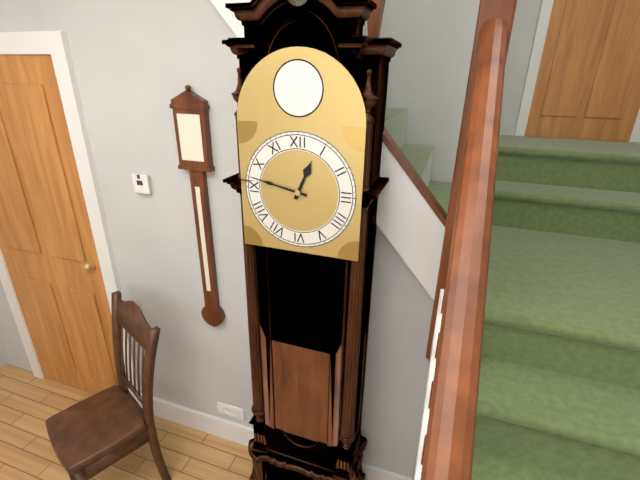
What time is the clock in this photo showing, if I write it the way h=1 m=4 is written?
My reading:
h=12 m=47
